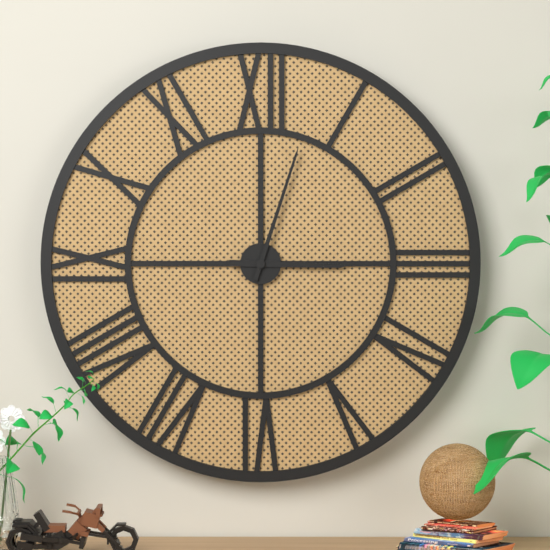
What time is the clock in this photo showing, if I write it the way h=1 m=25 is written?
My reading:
h=3 m=3
